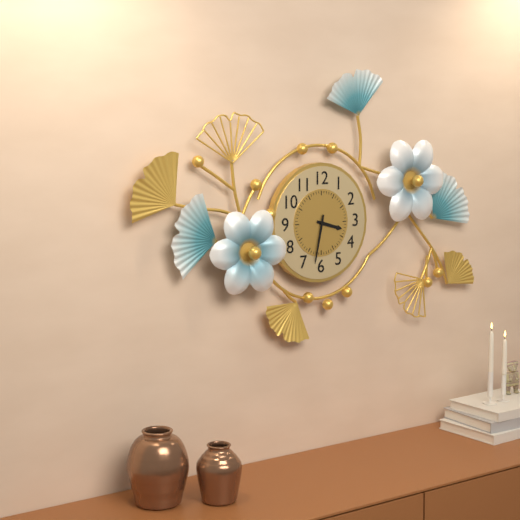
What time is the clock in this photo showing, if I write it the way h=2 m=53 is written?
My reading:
h=3 m=32
